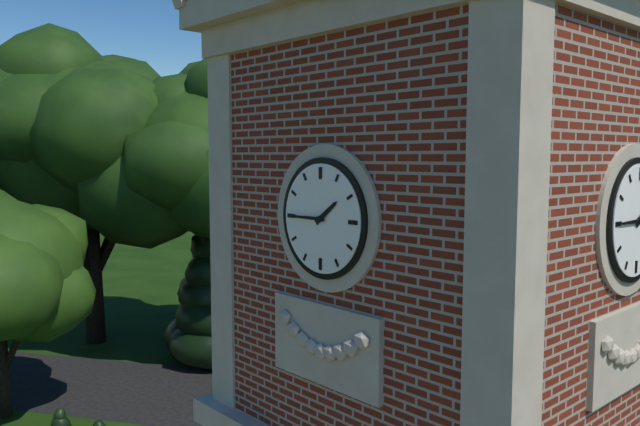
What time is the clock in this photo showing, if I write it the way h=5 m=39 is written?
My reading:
h=1 m=45
